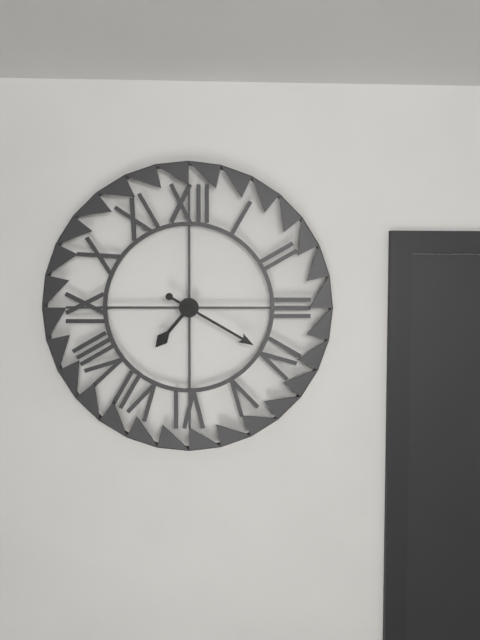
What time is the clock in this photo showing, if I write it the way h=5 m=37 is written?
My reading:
h=7 m=20
